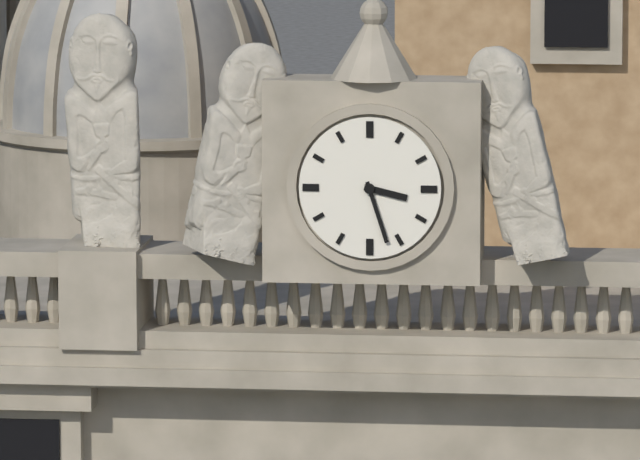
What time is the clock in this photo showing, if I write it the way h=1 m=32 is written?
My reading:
h=3 m=27
